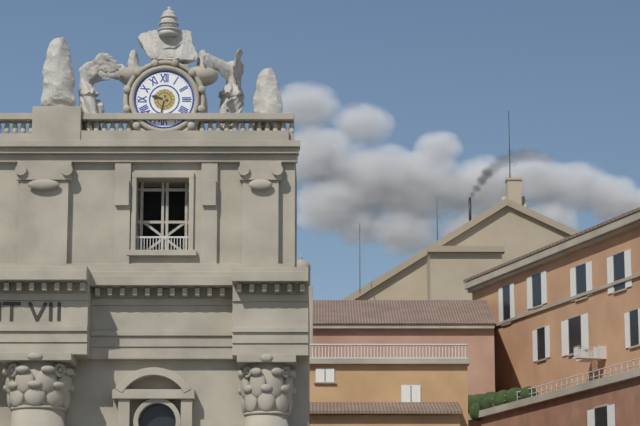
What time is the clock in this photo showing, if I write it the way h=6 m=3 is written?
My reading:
h=9 m=32
